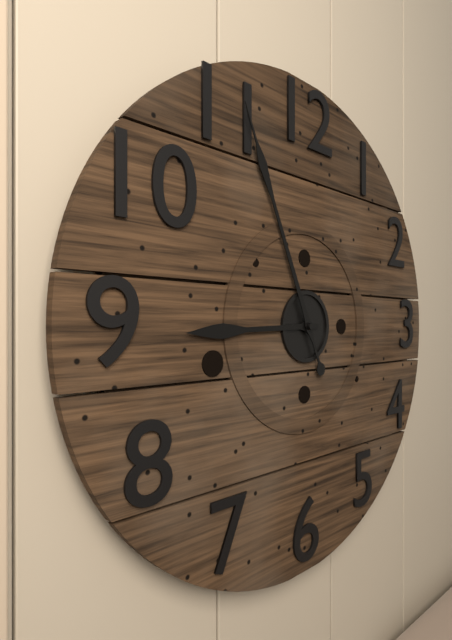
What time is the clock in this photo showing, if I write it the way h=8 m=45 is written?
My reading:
h=8 m=56
